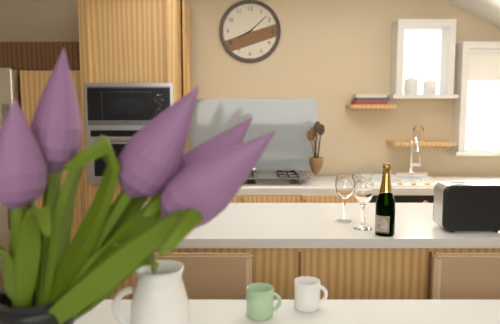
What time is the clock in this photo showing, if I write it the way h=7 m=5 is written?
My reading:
h=8 m=8
